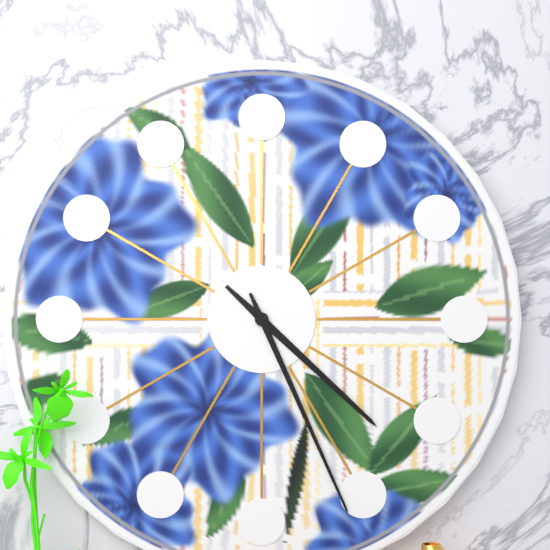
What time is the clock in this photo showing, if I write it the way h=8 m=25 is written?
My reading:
h=4 m=26
